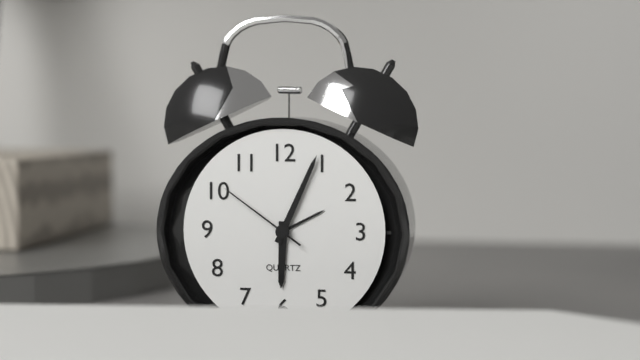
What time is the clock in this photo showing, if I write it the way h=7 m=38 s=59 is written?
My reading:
h=6 m=4 s=51
